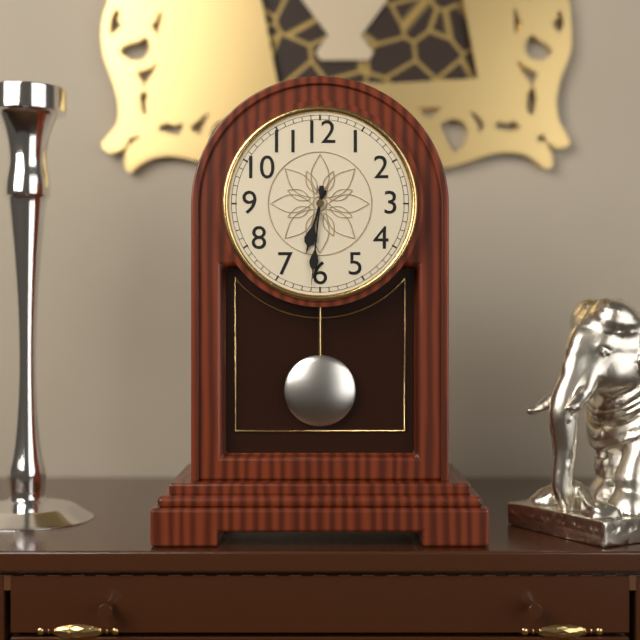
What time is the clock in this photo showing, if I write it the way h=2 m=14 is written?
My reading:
h=6 m=31
